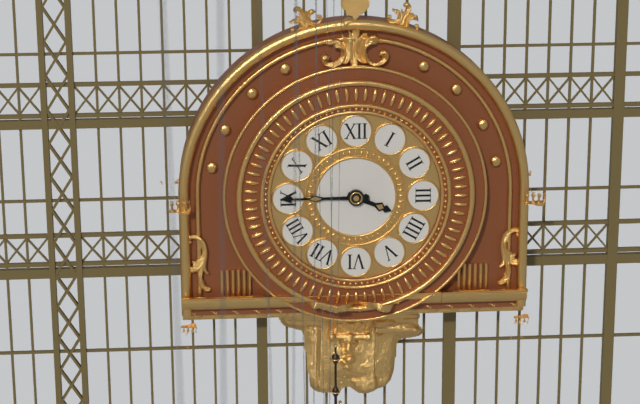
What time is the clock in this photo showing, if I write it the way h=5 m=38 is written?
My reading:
h=3 m=45
